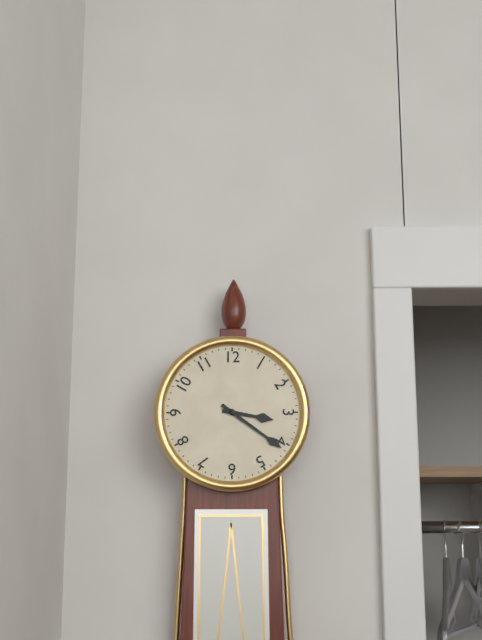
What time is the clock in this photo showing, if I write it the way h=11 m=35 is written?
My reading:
h=3 m=21
